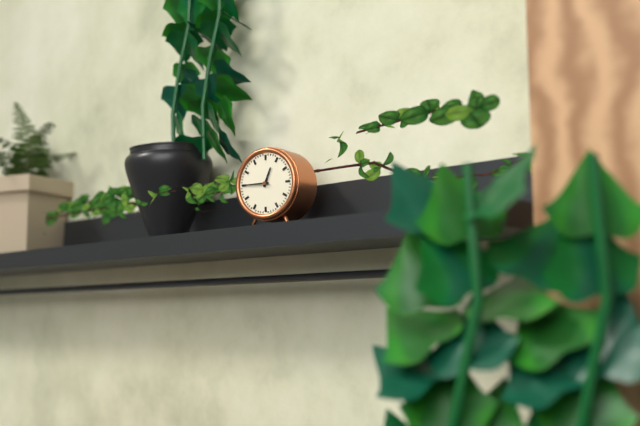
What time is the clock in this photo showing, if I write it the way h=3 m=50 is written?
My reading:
h=12 m=45
